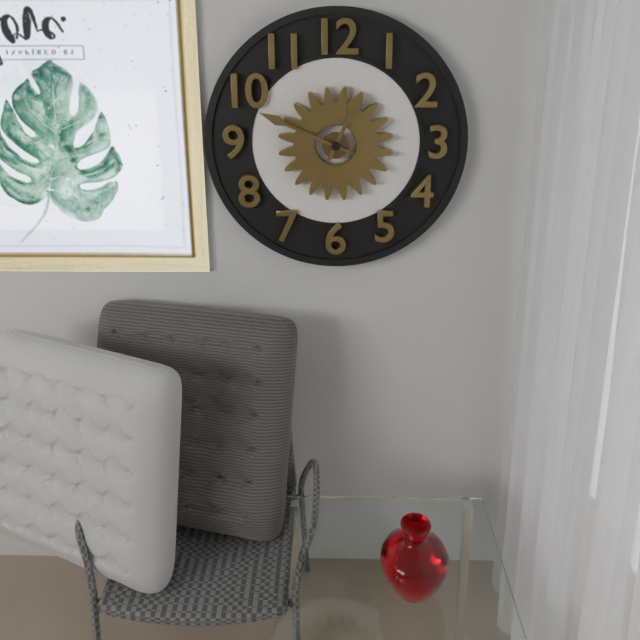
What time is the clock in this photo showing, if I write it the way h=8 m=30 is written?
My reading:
h=12 m=49
